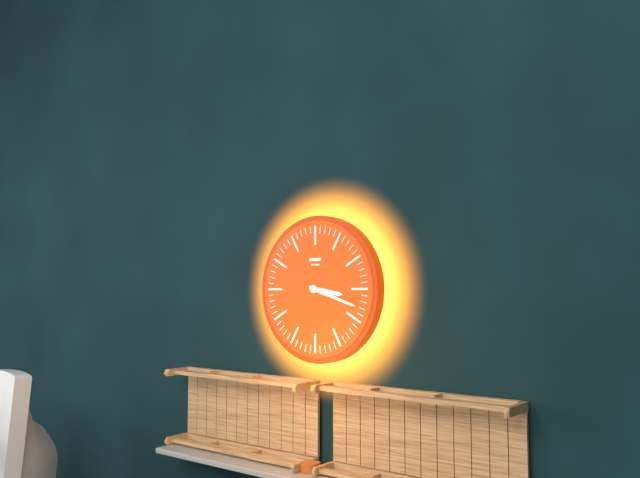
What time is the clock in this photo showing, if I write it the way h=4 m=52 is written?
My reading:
h=3 m=18
